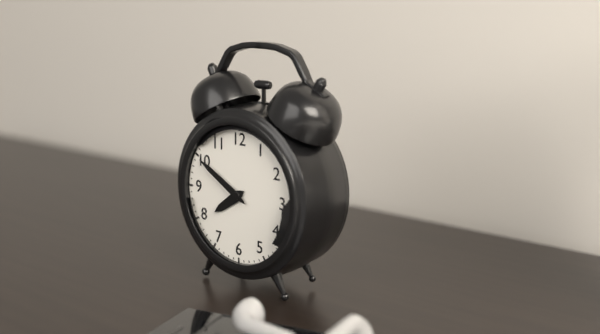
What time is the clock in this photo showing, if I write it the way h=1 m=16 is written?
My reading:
h=7 m=50
